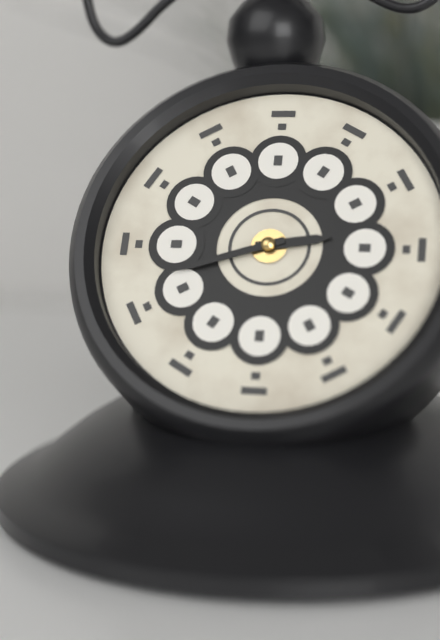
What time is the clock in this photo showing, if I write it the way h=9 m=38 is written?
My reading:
h=2 m=42
